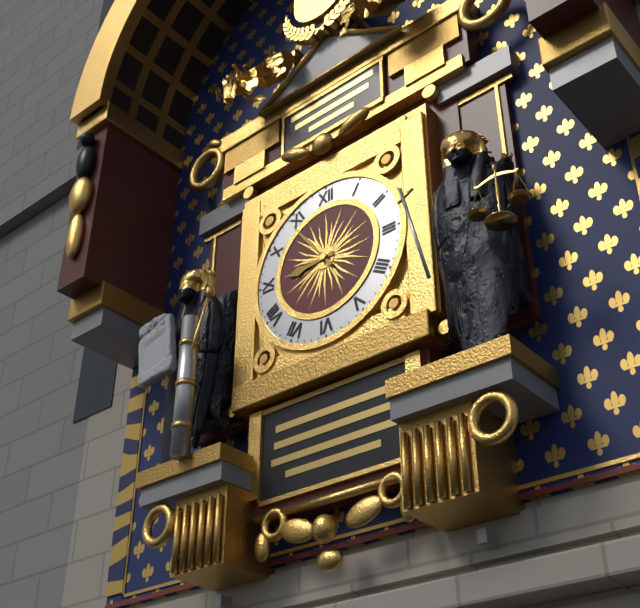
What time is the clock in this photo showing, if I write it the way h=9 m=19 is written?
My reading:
h=8 m=54
